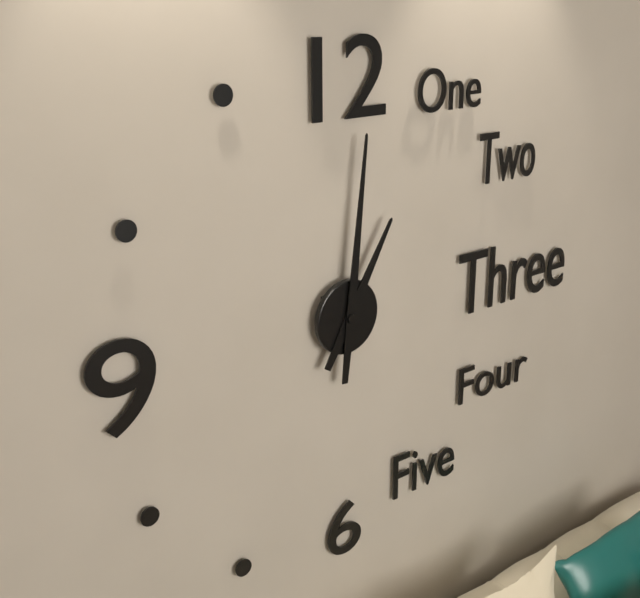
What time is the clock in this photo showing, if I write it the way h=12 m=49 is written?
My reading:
h=1 m=1
